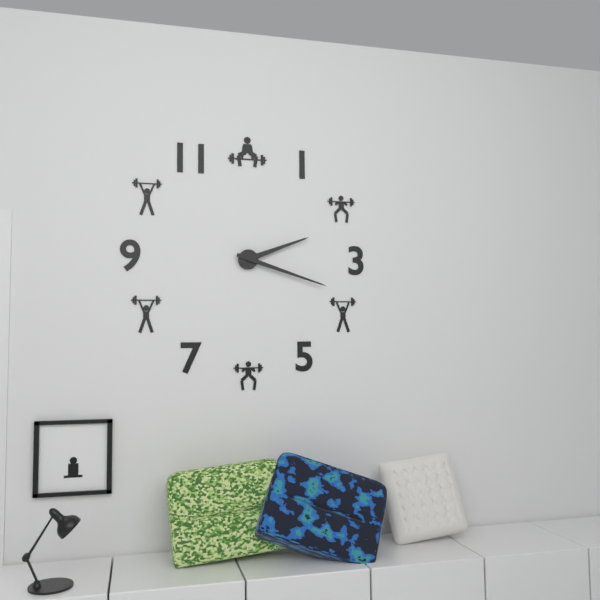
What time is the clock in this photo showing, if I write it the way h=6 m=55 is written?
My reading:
h=2 m=18
